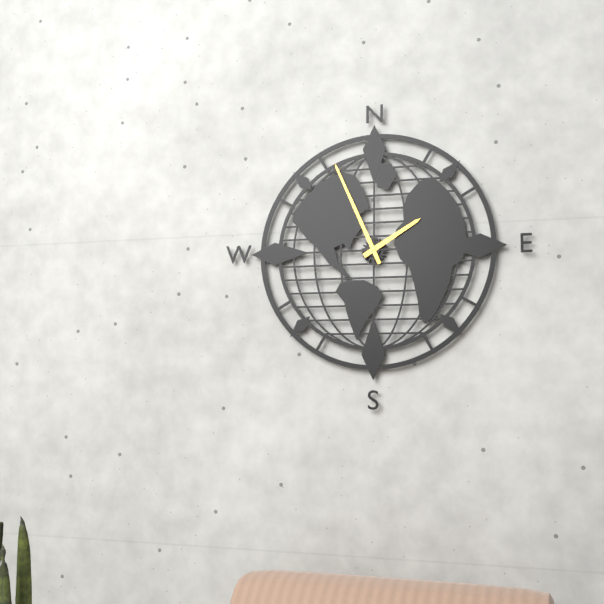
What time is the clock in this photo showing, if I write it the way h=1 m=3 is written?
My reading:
h=1 m=56
